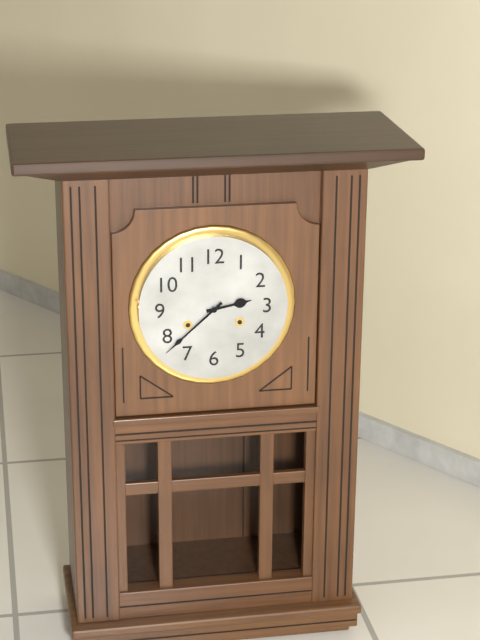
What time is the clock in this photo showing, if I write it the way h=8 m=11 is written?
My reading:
h=2 m=38
